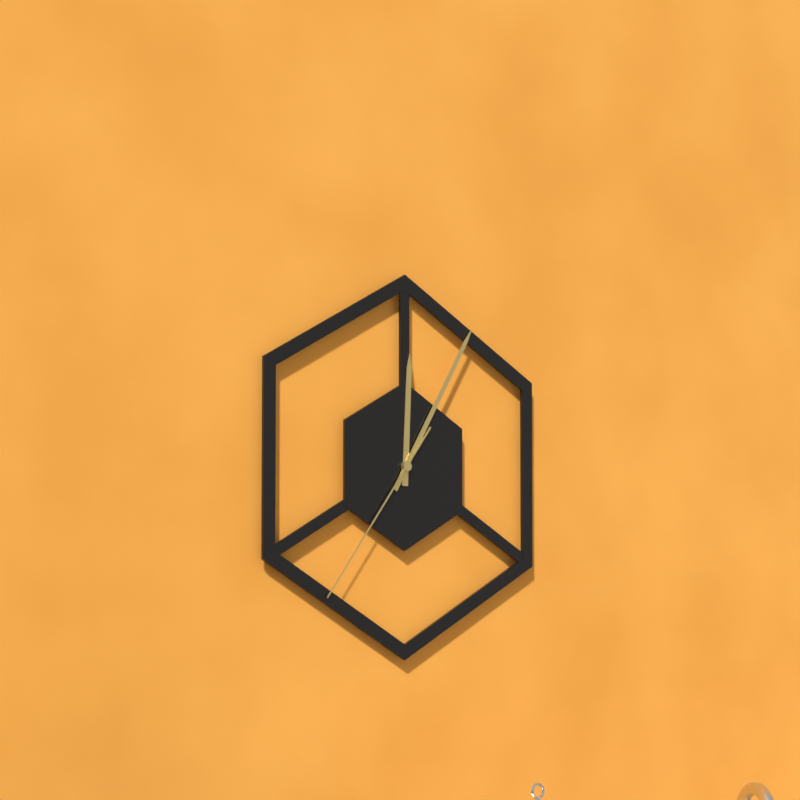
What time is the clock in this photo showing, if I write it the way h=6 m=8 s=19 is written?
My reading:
h=12 m=5 s=36
